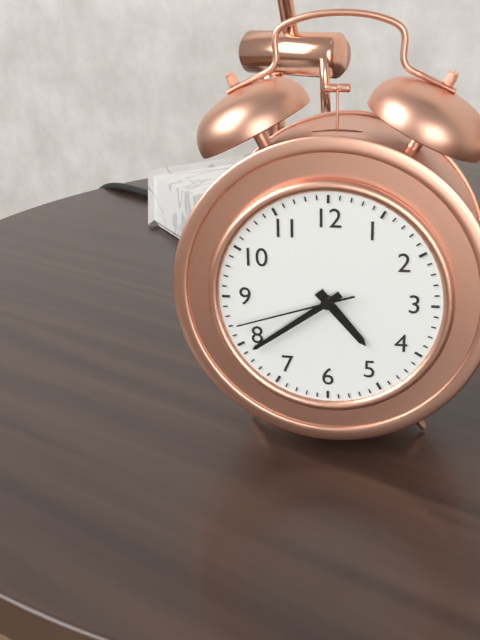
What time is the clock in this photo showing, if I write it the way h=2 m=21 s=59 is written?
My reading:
h=4 m=39 s=42
